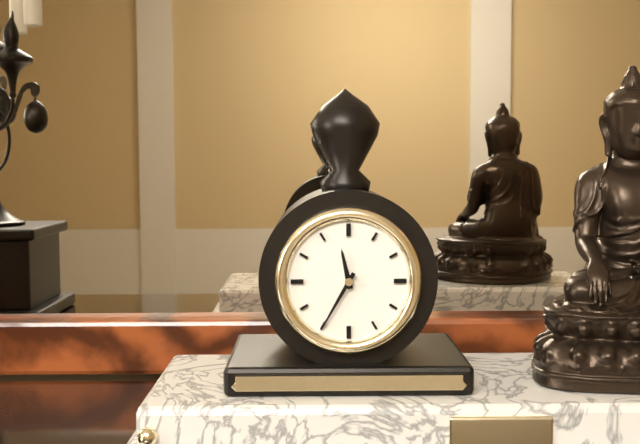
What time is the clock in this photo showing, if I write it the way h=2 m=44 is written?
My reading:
h=11 m=35
